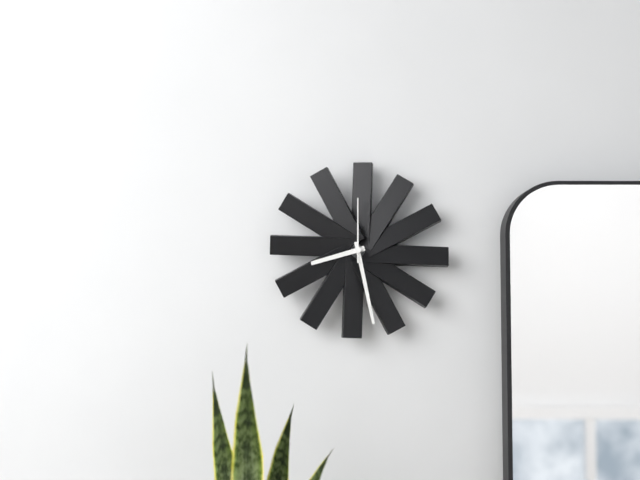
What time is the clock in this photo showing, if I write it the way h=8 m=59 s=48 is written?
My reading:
h=8 m=28 s=0
